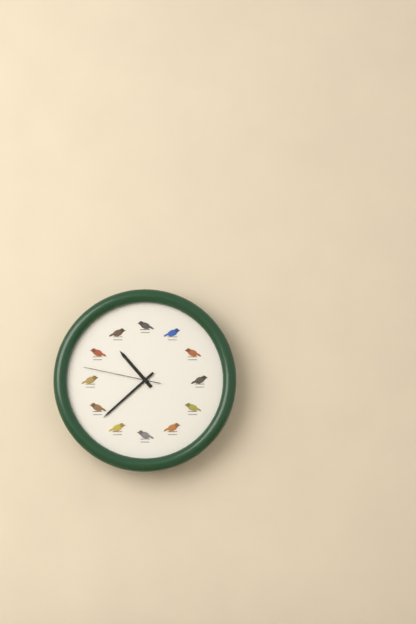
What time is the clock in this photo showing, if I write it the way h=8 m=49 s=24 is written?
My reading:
h=10 m=38 s=47
